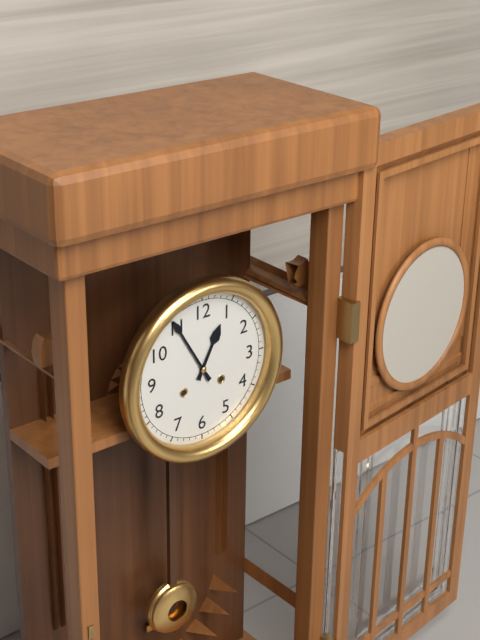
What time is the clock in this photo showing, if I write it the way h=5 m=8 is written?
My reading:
h=12 m=55
